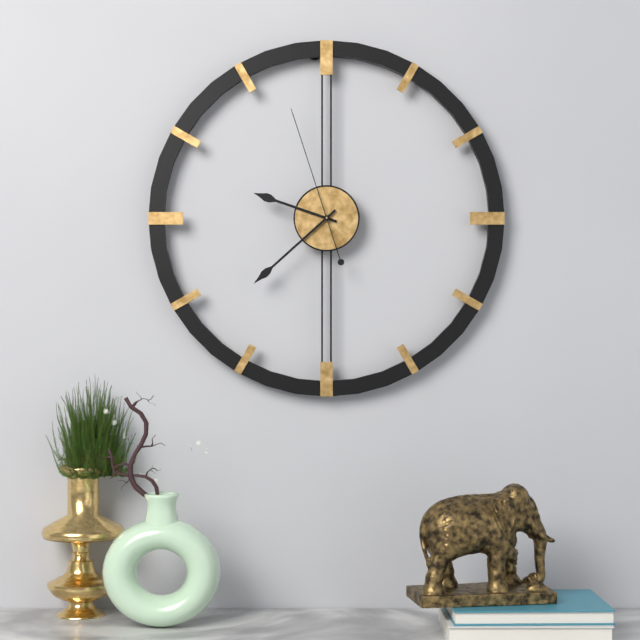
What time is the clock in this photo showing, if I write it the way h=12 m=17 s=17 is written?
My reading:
h=9 m=38 s=57
